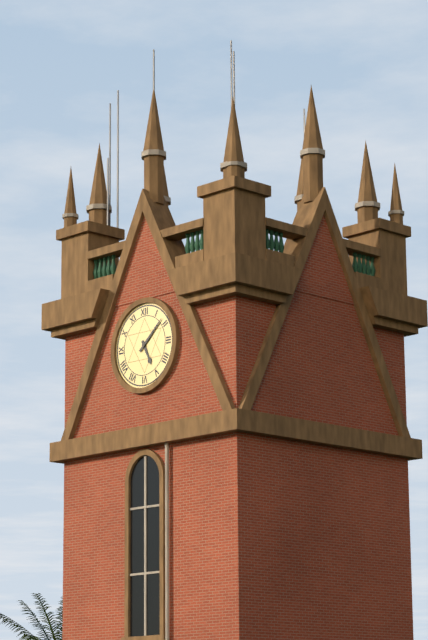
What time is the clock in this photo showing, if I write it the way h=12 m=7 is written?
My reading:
h=5 m=8
